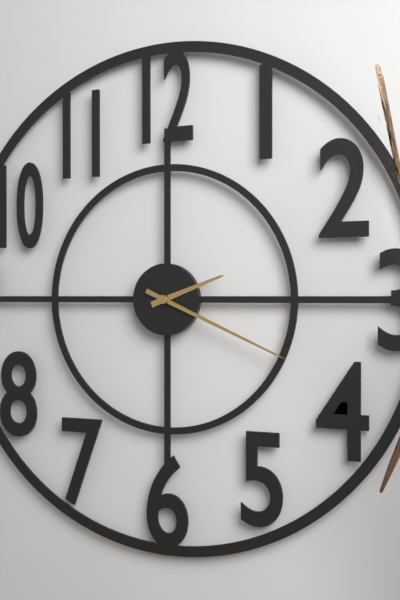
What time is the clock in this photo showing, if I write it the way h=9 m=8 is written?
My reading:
h=2 m=19
